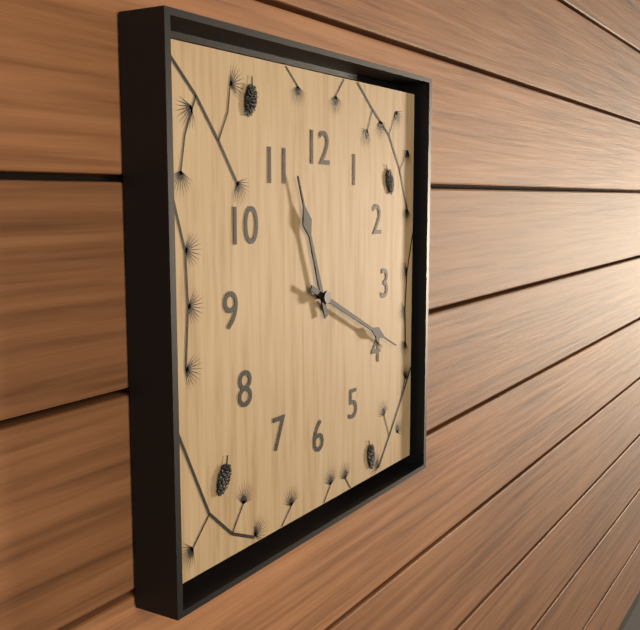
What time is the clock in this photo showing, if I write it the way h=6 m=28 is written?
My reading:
h=11 m=19
